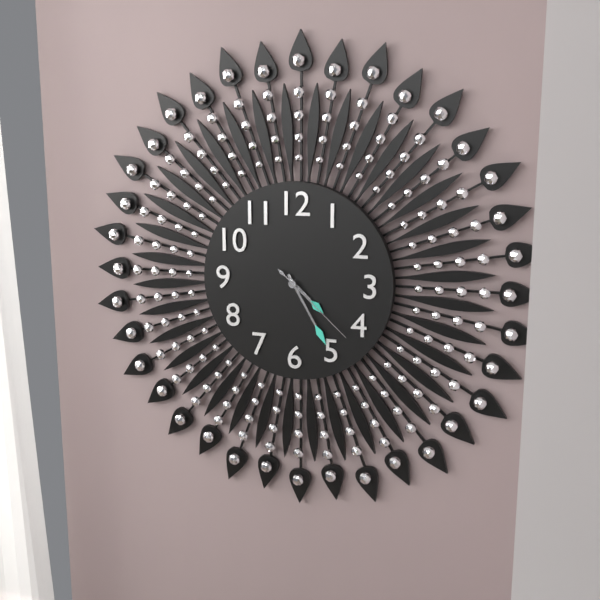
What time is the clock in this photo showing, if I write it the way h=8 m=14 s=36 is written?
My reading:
h=4 m=25 s=22
